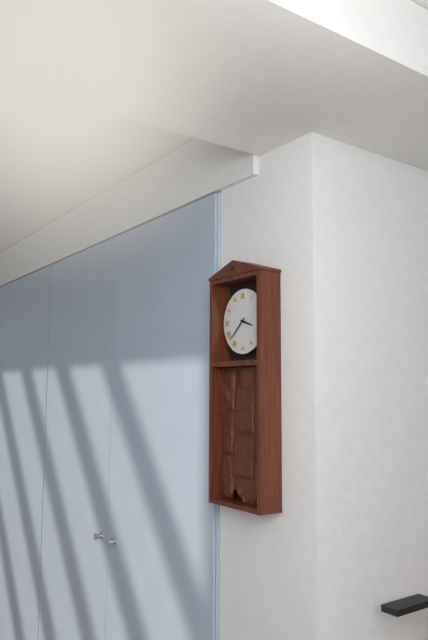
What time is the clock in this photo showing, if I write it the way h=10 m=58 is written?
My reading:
h=3 m=38
